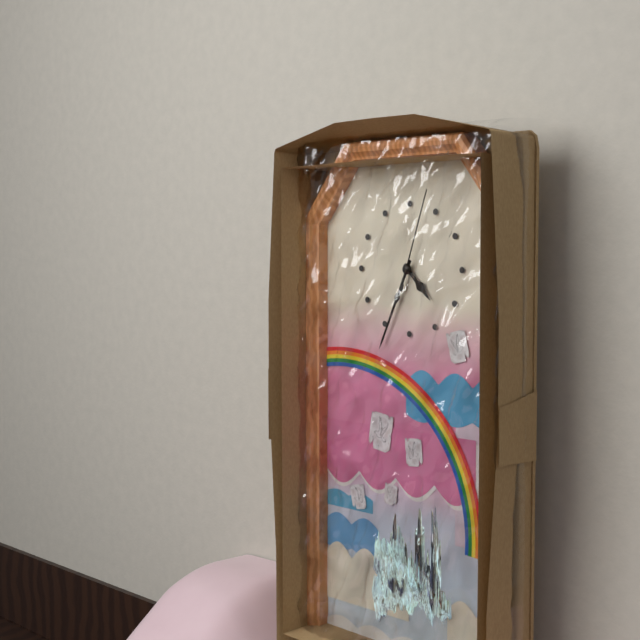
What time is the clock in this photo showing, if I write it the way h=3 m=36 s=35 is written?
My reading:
h=4 m=34 s=3
